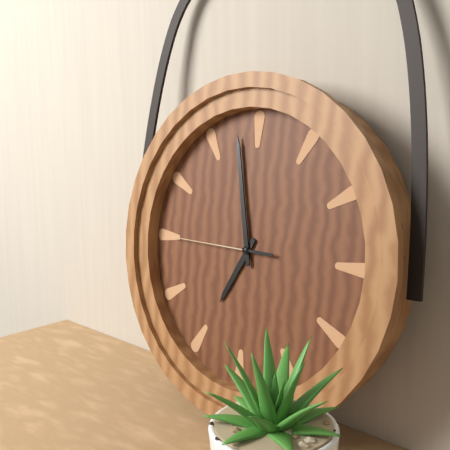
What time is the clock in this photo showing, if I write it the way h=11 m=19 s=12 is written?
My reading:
h=6 m=58 s=45
